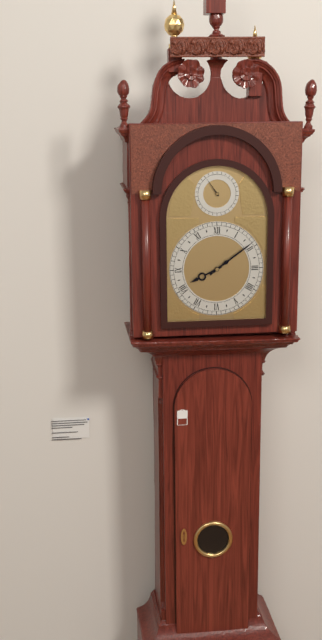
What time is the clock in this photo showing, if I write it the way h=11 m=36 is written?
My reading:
h=8 m=9
